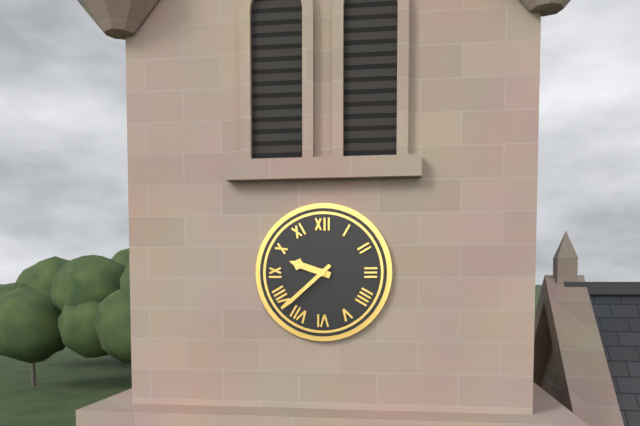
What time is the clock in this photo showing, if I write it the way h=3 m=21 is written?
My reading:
h=9 m=38
